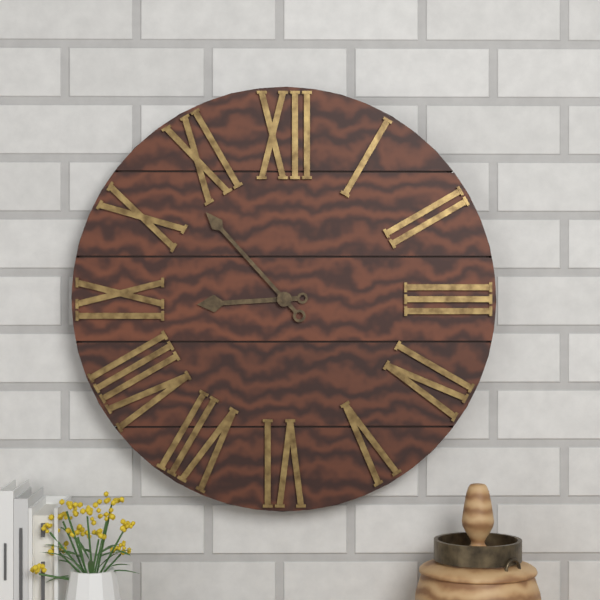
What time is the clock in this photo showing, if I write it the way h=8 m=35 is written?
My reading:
h=8 m=53
